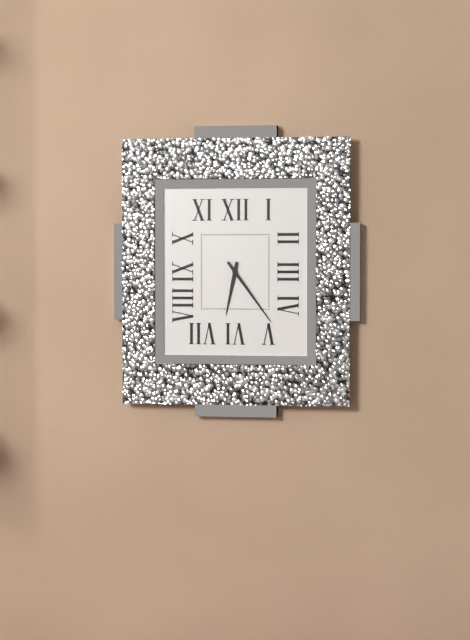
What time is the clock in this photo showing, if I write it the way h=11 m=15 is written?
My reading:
h=6 m=24
